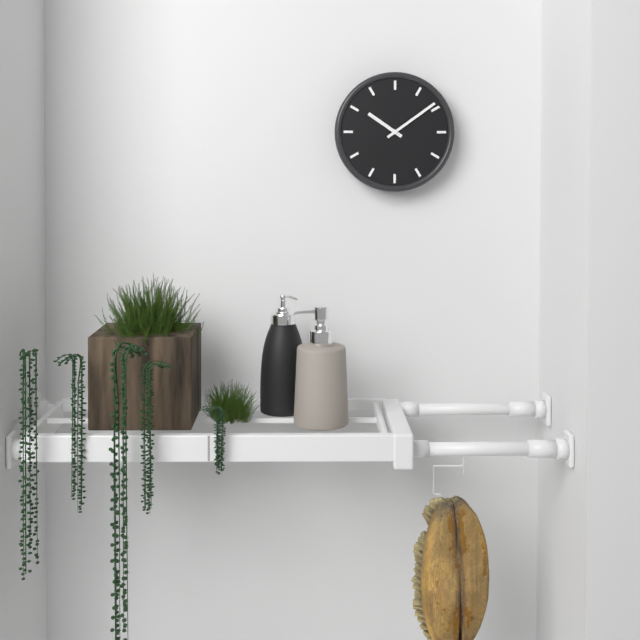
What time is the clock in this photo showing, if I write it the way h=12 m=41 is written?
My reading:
h=10 m=9
